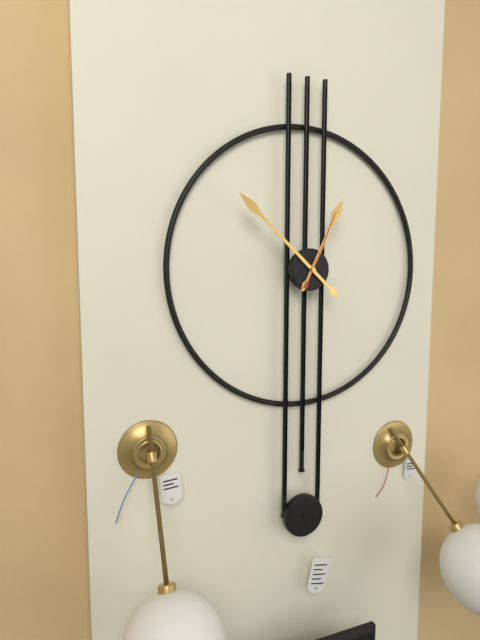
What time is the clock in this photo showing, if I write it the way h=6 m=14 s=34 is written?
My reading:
h=12 m=52 s=4
